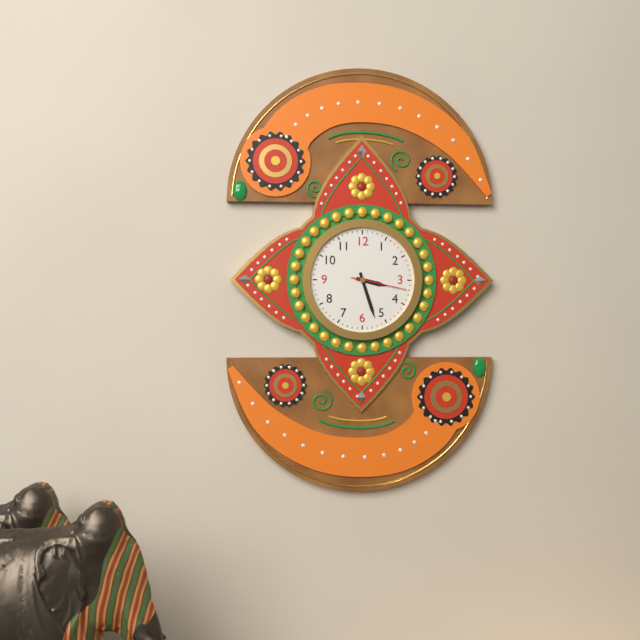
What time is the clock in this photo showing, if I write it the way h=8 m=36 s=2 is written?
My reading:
h=3 m=27 s=17
